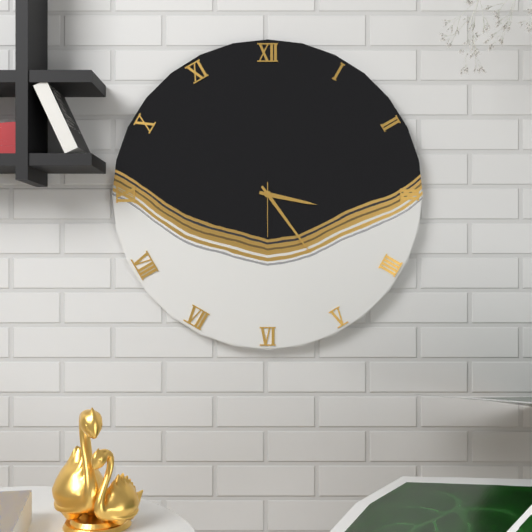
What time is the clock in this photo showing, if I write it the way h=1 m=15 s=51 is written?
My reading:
h=3 m=24 s=30
